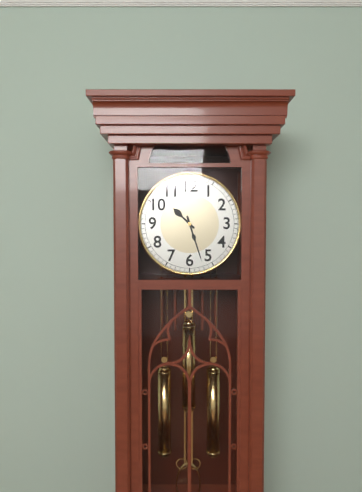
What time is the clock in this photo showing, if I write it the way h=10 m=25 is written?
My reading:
h=10 m=27
